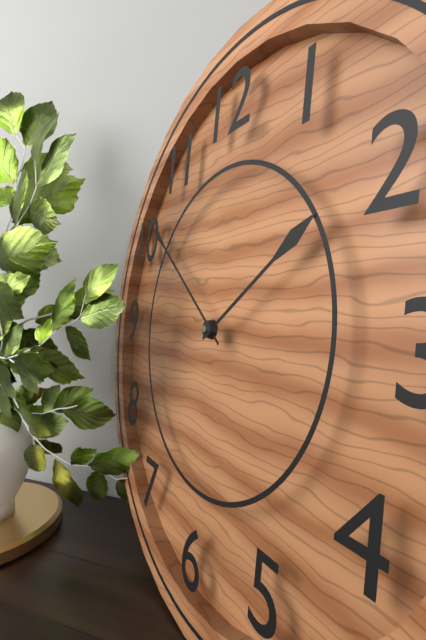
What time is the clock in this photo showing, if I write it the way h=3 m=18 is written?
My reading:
h=1 m=51
